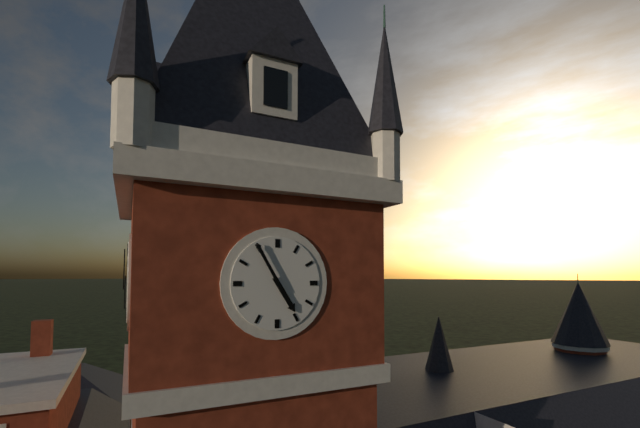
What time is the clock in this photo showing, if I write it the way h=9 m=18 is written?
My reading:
h=4 m=55
